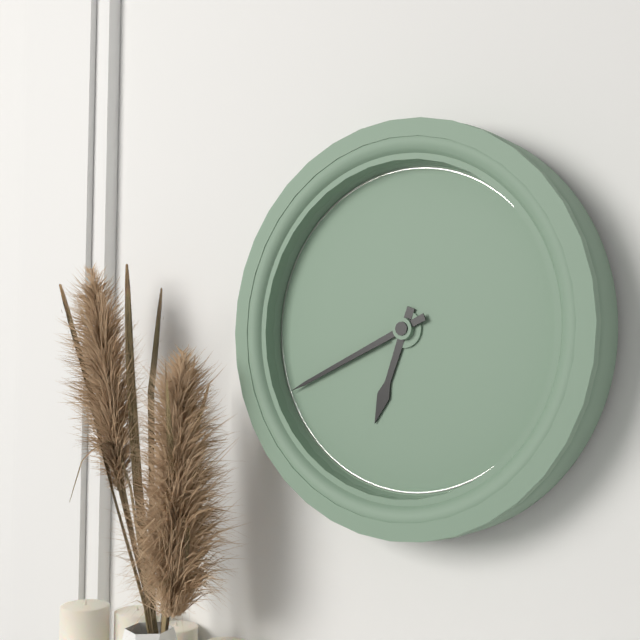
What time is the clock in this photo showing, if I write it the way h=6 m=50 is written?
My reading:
h=6 m=41
